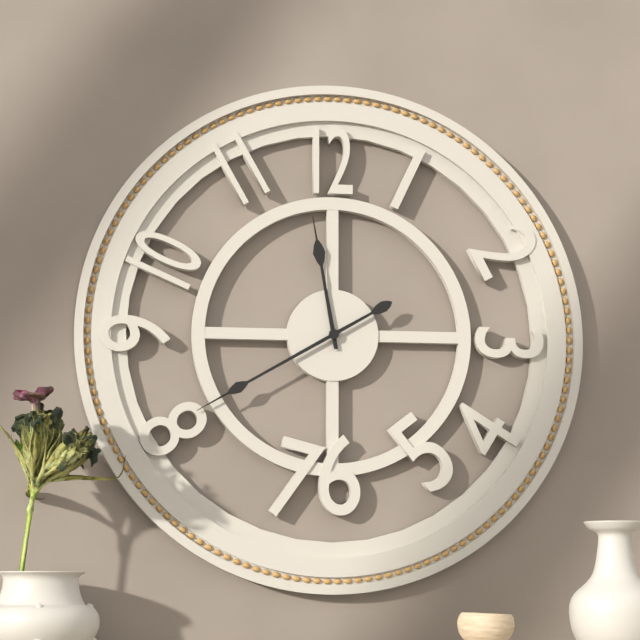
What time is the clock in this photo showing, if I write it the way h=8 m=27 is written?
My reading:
h=11 m=40
